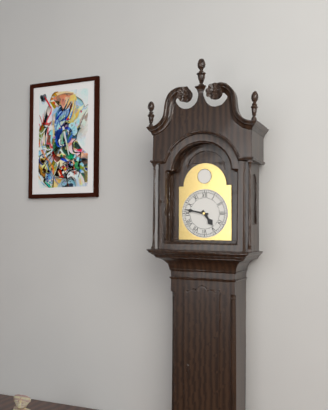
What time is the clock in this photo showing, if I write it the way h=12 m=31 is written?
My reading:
h=4 m=47
